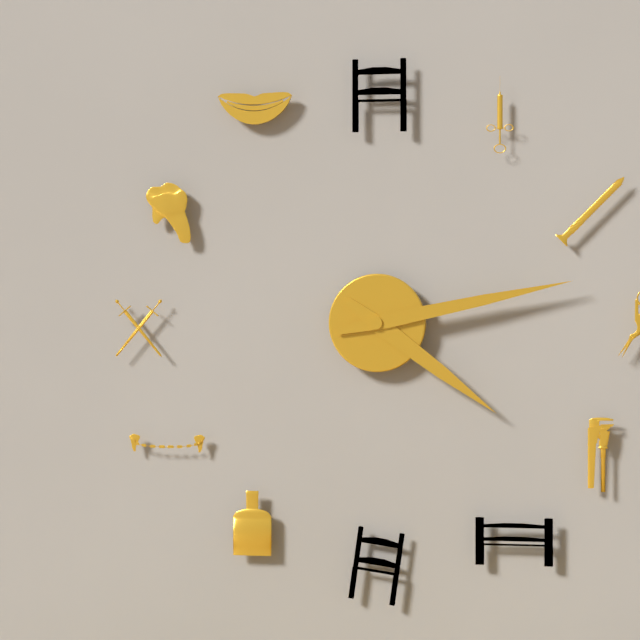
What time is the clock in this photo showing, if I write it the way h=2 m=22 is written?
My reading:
h=4 m=13
